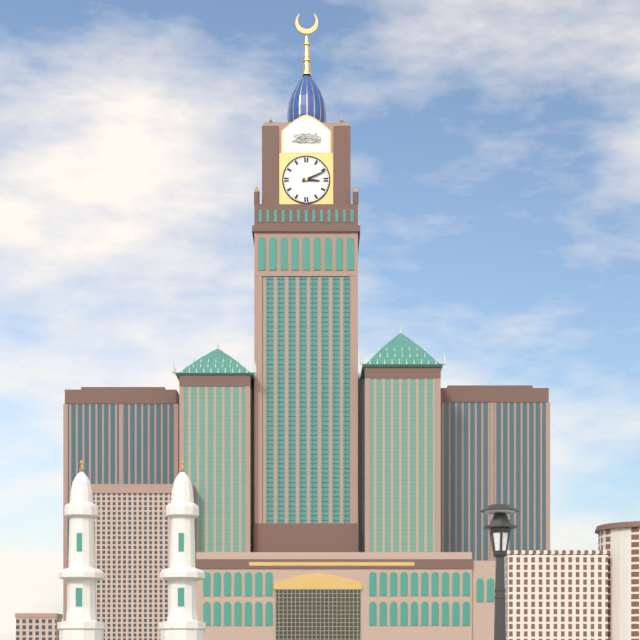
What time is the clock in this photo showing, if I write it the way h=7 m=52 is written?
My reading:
h=3 m=11
